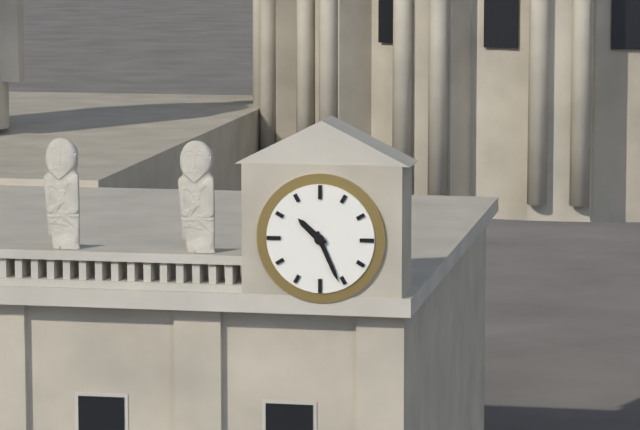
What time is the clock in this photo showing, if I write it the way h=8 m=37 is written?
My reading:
h=10 m=26
